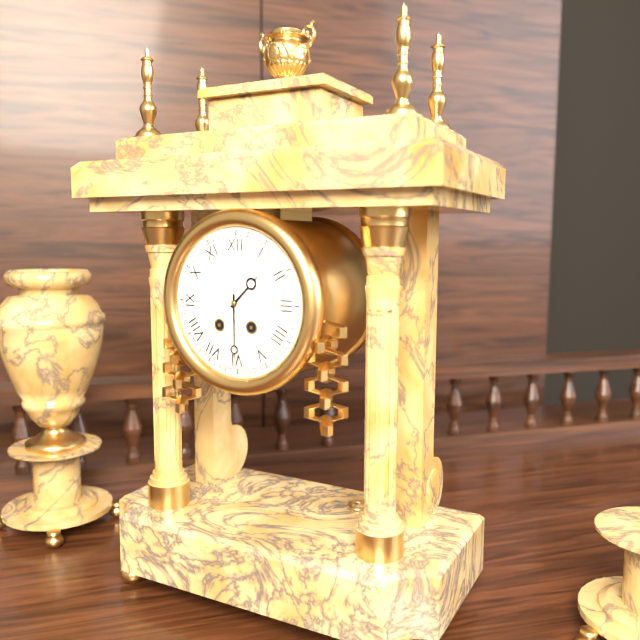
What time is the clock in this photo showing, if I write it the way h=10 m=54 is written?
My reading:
h=1 m=30
